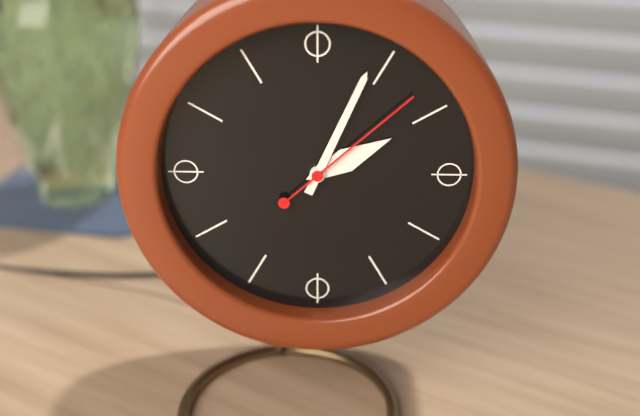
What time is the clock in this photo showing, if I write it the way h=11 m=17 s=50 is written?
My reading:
h=2 m=4 s=8
